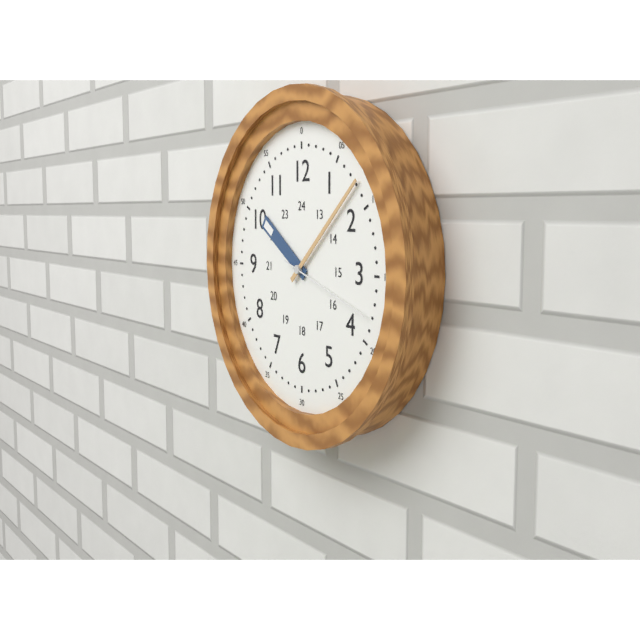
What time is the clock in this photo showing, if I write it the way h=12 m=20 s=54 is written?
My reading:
h=10 m=8 s=18
